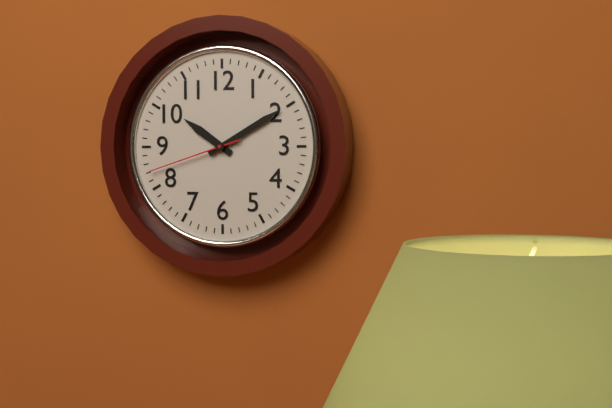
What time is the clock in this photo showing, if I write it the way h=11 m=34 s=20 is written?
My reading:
h=10 m=10 s=42
